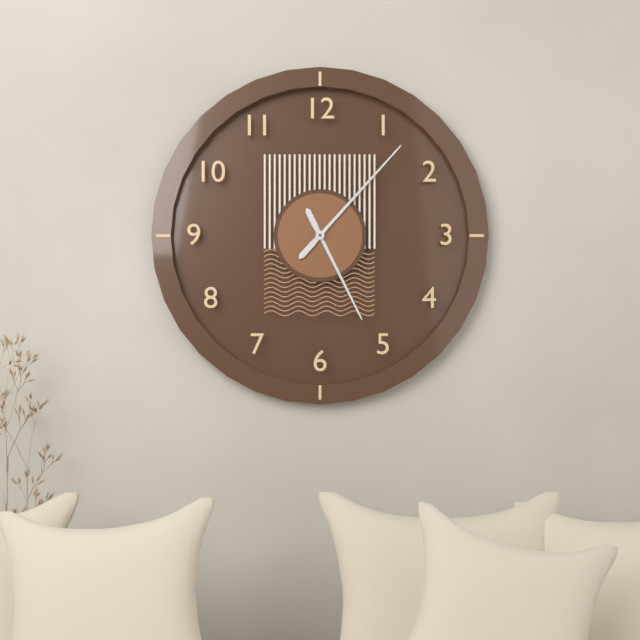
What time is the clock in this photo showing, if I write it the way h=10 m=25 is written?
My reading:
h=5 m=7
